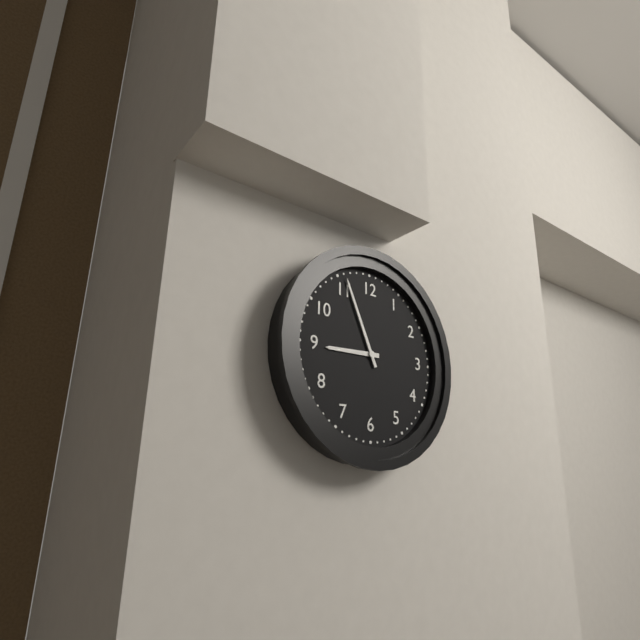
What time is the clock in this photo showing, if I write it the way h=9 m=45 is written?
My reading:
h=8 m=56
